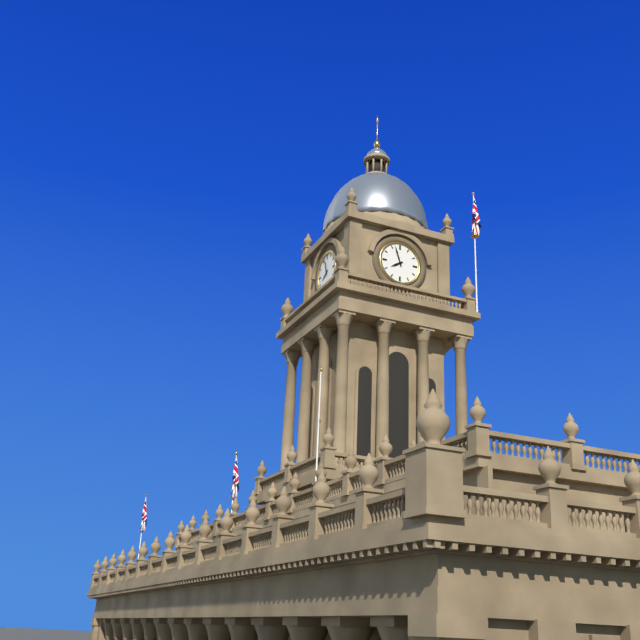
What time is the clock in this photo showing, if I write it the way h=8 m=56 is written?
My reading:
h=7 m=57
